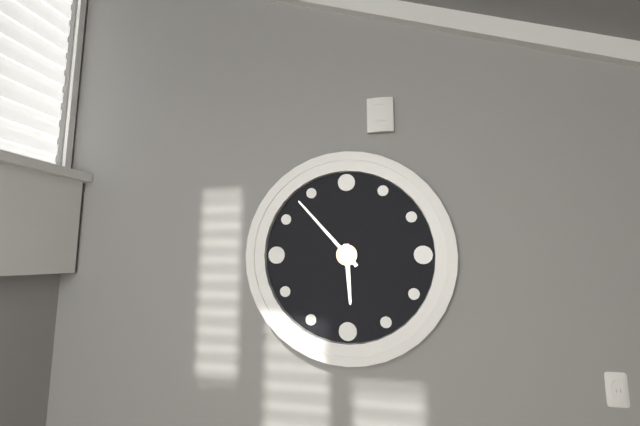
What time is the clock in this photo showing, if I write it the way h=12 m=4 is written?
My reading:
h=5 m=53
